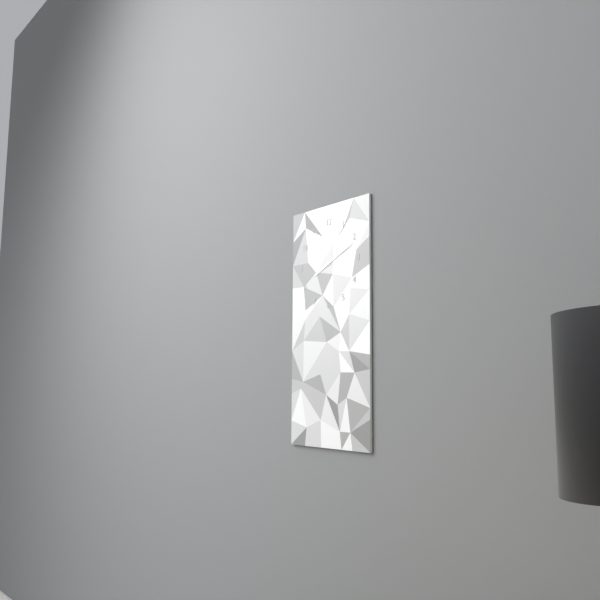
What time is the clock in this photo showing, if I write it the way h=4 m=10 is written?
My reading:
h=8 m=11
